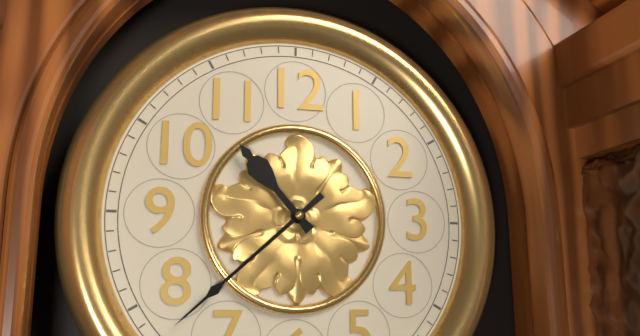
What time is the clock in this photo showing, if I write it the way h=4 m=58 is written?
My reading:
h=10 m=38
